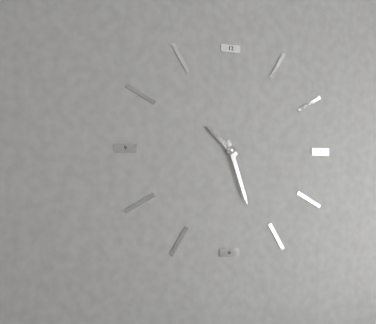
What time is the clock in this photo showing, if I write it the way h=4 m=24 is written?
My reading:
h=10 m=27
